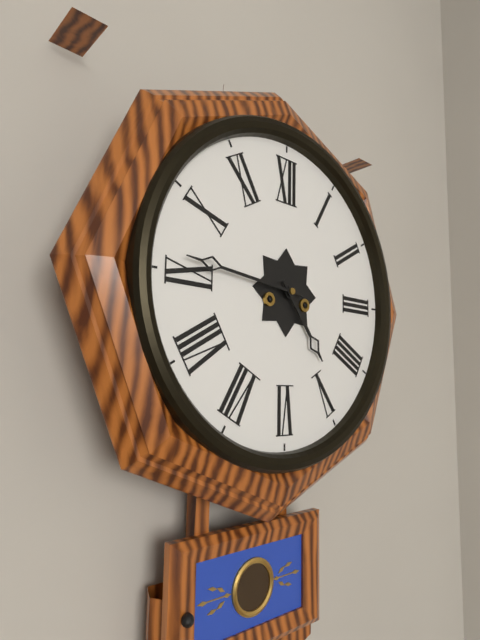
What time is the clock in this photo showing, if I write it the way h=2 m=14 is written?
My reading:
h=4 m=46
